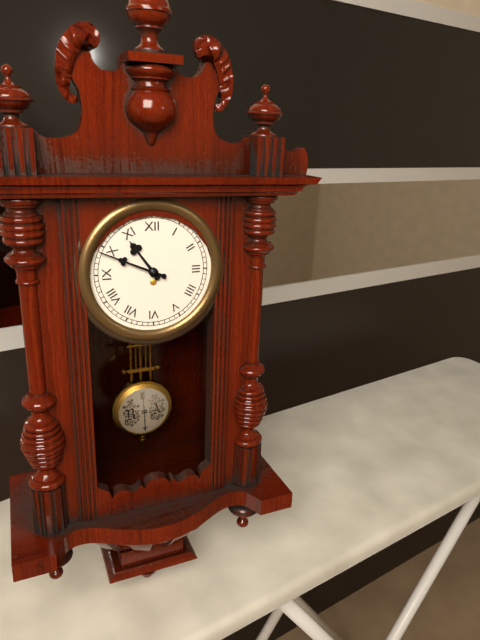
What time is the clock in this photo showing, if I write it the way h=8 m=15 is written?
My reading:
h=10 m=49
